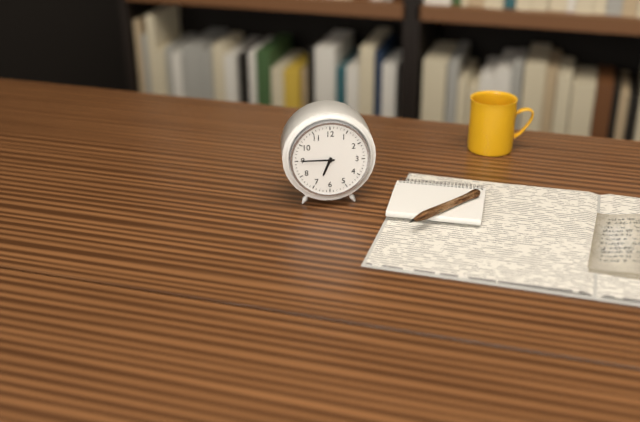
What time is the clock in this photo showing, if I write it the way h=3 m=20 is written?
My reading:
h=6 m=45
